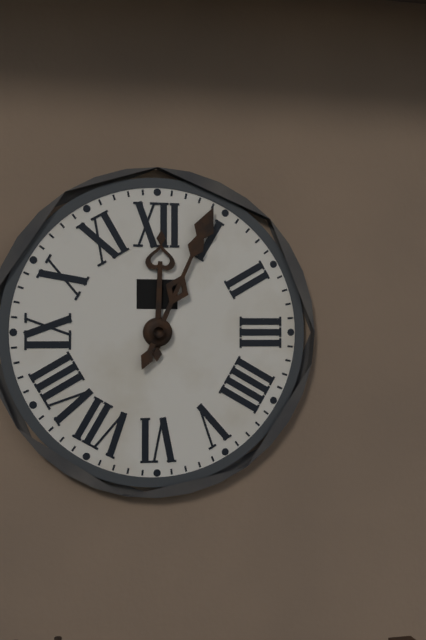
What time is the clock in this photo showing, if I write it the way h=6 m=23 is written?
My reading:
h=12 m=4
